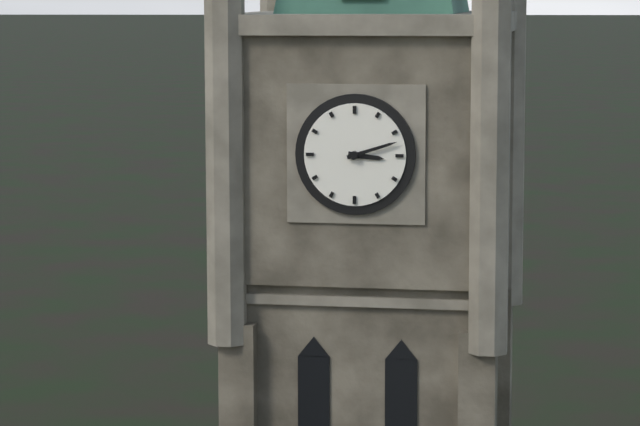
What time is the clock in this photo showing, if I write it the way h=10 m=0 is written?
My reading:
h=3 m=12
